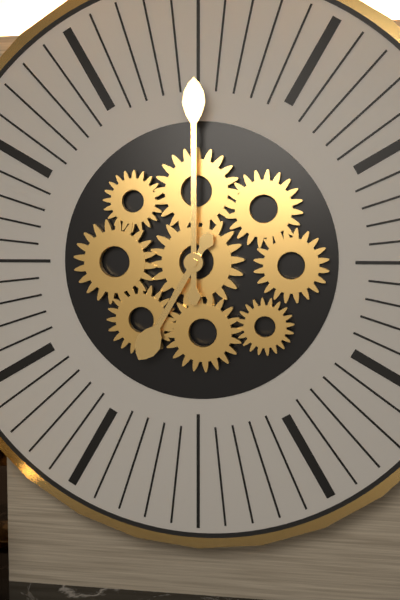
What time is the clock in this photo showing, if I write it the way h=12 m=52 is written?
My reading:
h=7 m=0
